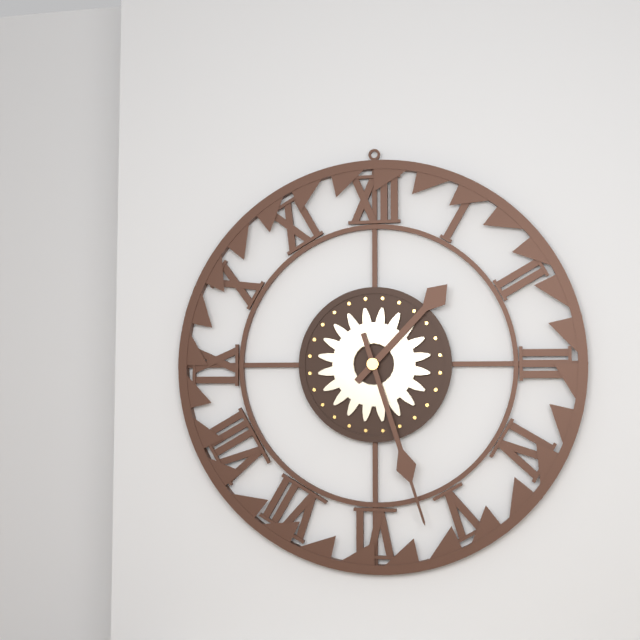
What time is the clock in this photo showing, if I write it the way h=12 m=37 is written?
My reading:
h=1 m=27
